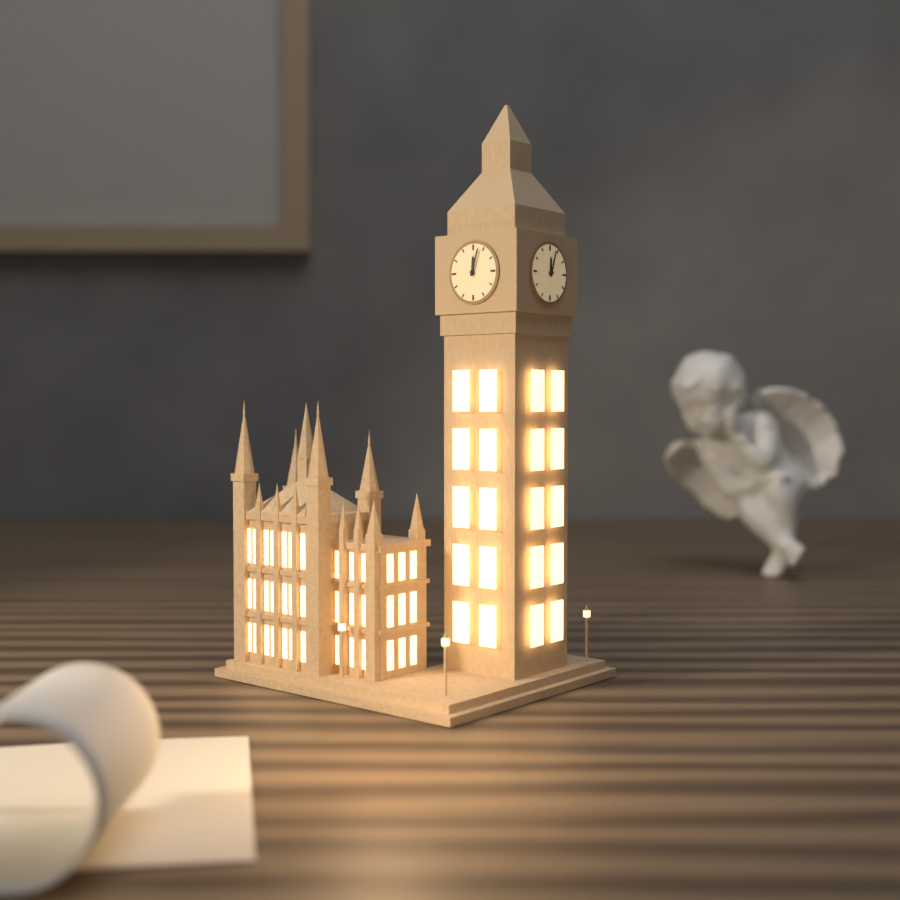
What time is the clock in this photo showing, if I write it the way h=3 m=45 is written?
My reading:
h=12 m=3
